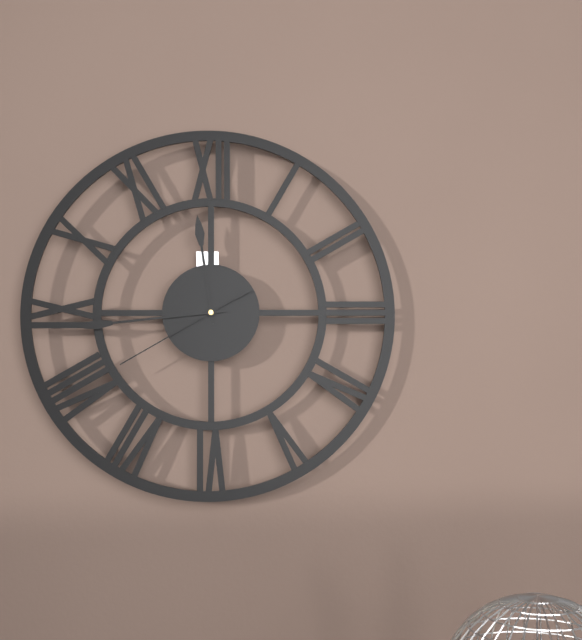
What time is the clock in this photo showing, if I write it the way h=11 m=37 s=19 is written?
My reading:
h=11 m=44 s=40
